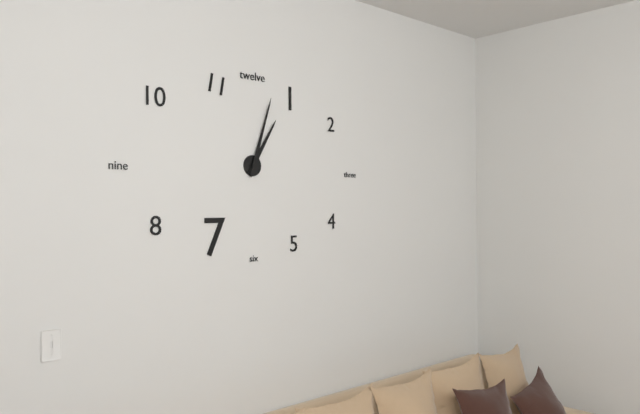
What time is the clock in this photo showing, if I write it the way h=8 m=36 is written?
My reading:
h=1 m=3
